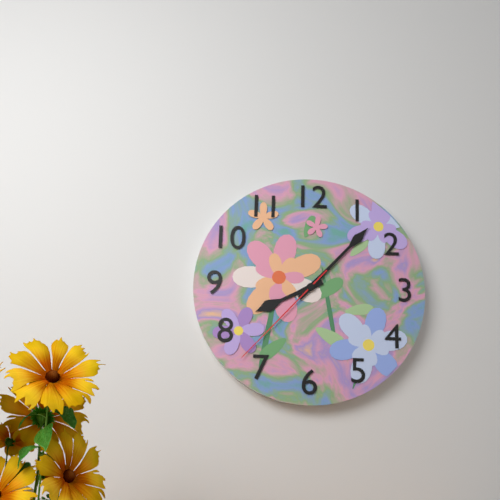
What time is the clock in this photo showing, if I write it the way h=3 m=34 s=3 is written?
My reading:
h=8 m=7 s=37
